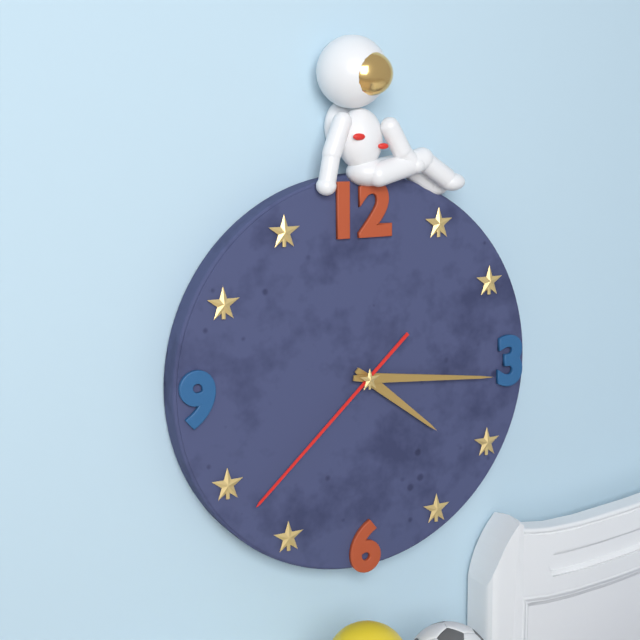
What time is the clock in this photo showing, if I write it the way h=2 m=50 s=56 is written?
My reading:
h=4 m=16 s=38
